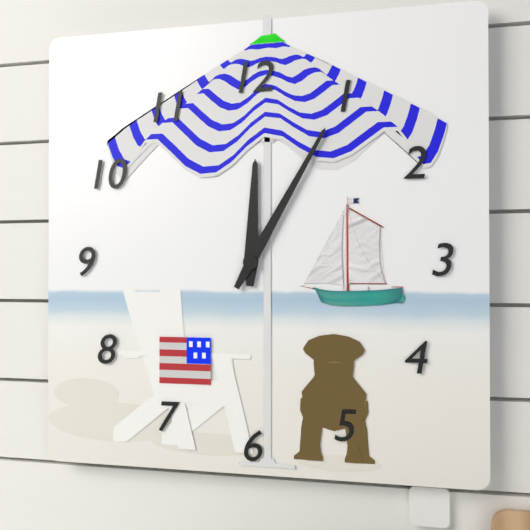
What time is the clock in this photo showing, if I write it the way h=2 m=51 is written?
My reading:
h=12 m=5
